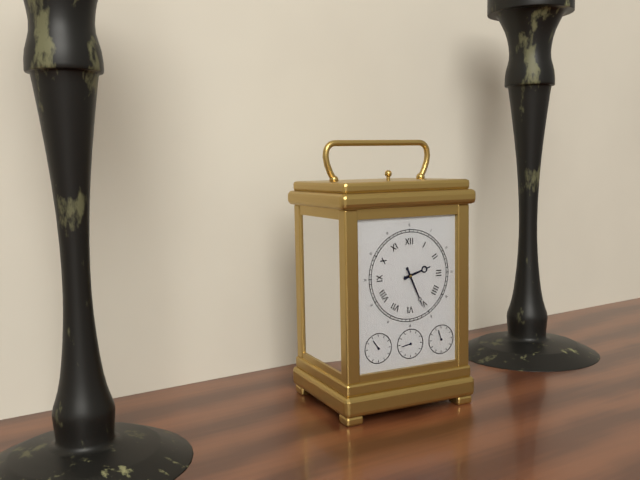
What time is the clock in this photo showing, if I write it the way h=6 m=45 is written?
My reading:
h=2 m=26
